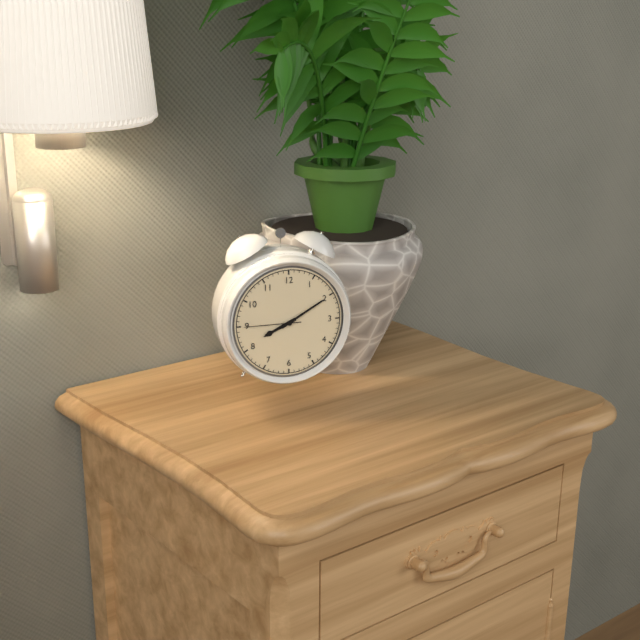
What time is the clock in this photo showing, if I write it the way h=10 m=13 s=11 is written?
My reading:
h=8 m=10 s=45
